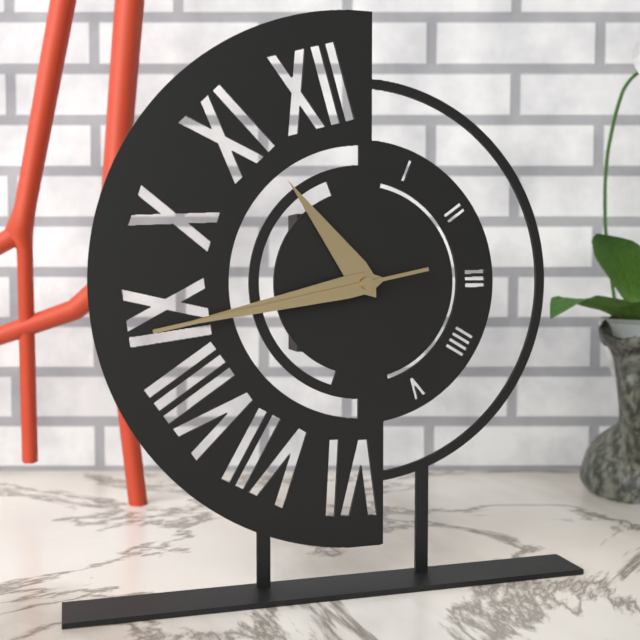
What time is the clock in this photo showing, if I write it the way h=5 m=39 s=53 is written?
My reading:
h=10 m=43 s=43
